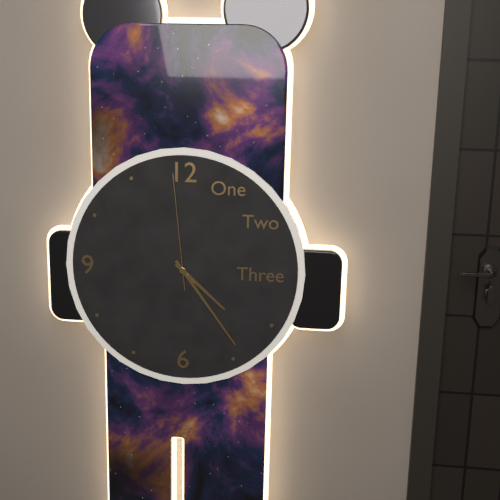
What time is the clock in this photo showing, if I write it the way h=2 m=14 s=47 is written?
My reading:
h=4 m=24 s=59
